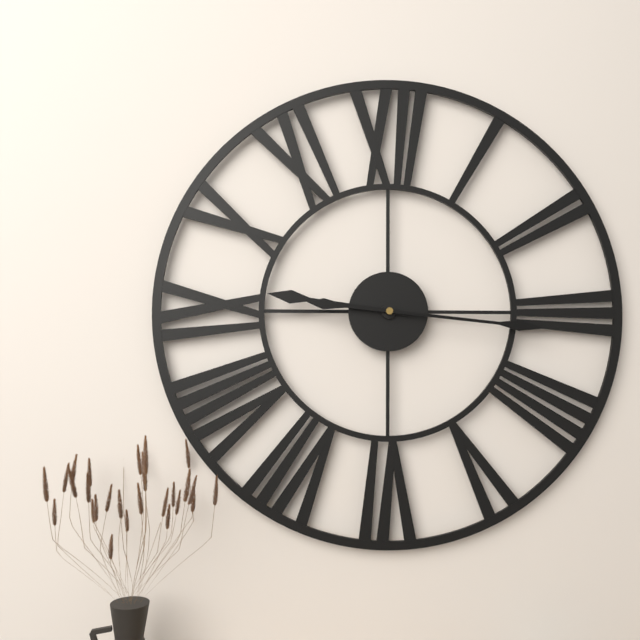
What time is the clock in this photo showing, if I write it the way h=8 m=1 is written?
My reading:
h=9 m=16
